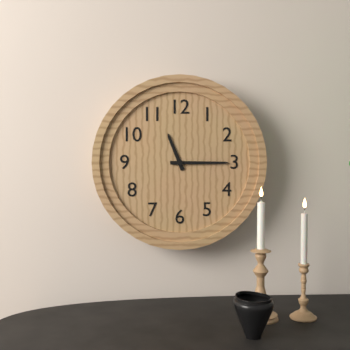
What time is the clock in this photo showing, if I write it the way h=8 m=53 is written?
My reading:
h=11 m=15
